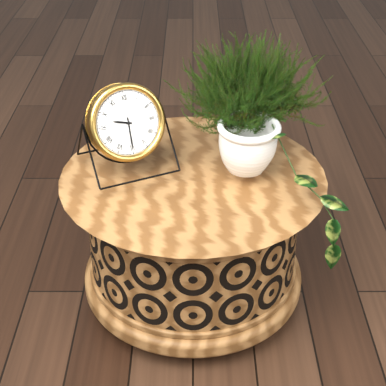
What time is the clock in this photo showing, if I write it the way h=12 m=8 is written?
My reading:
h=9 m=30
